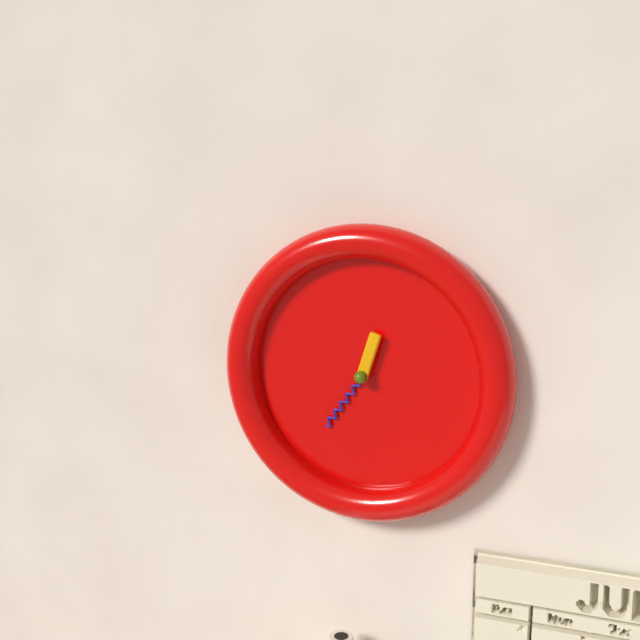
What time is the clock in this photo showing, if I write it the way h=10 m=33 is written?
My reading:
h=12 m=36
